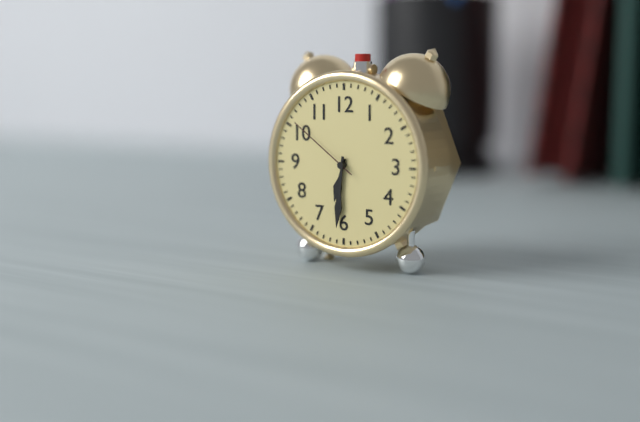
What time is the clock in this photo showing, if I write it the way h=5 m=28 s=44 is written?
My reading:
h=6 m=31 s=51
